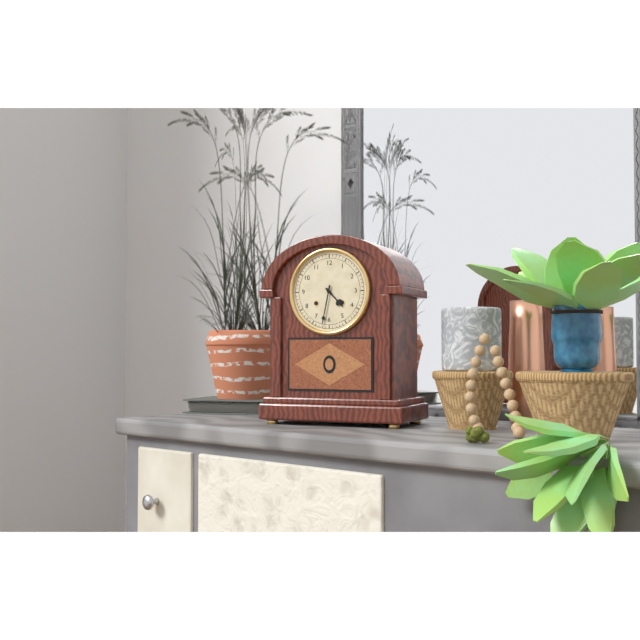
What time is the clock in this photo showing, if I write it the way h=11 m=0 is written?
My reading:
h=4 m=32
